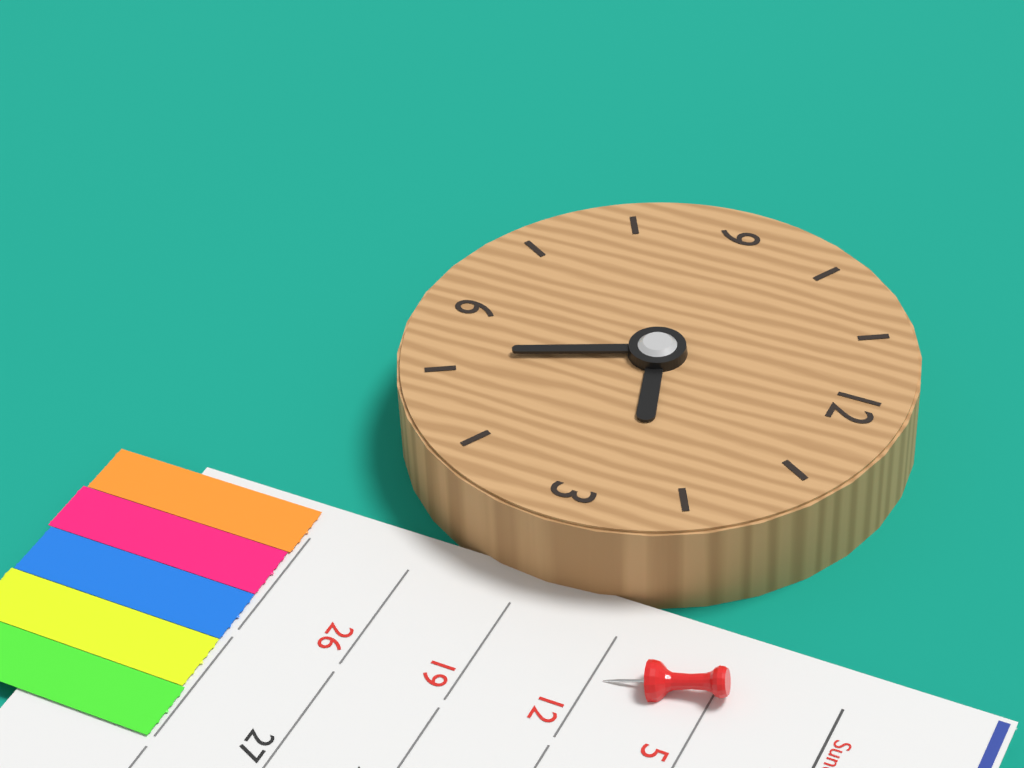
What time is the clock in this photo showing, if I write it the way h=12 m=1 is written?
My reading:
h=2 m=26
